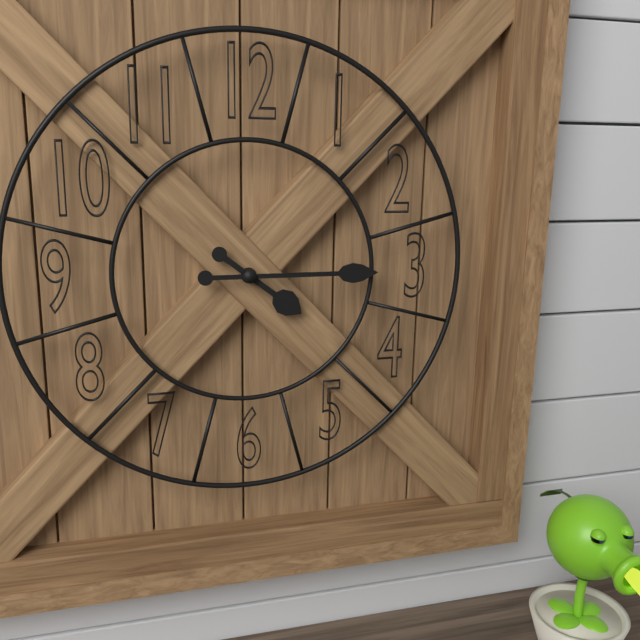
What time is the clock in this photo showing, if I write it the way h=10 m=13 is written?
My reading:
h=4 m=15
